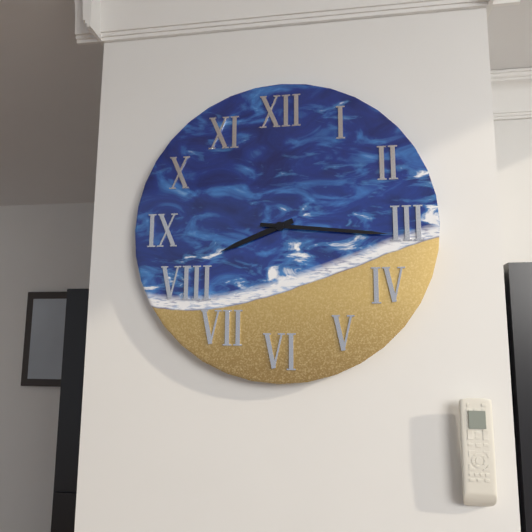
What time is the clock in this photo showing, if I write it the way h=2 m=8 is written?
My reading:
h=8 m=16
